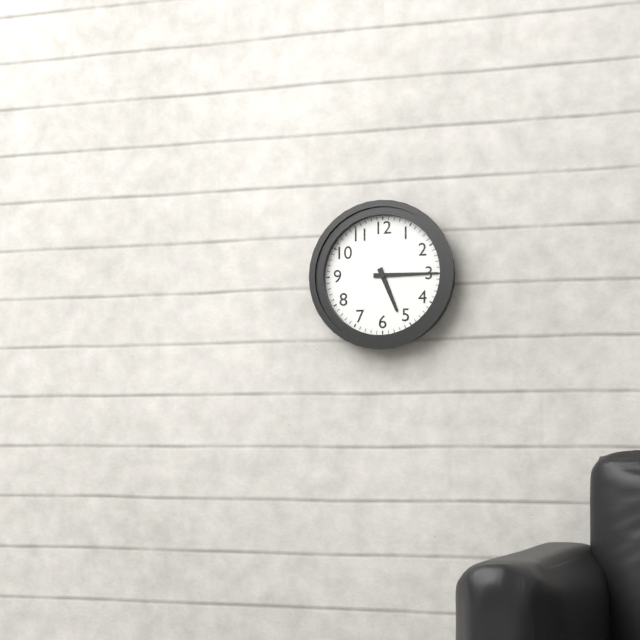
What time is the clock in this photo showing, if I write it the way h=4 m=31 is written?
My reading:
h=5 m=15
